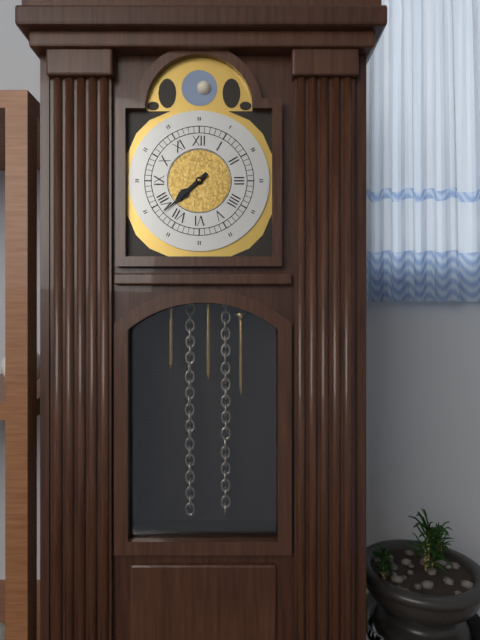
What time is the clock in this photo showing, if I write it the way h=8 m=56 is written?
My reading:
h=7 m=38
